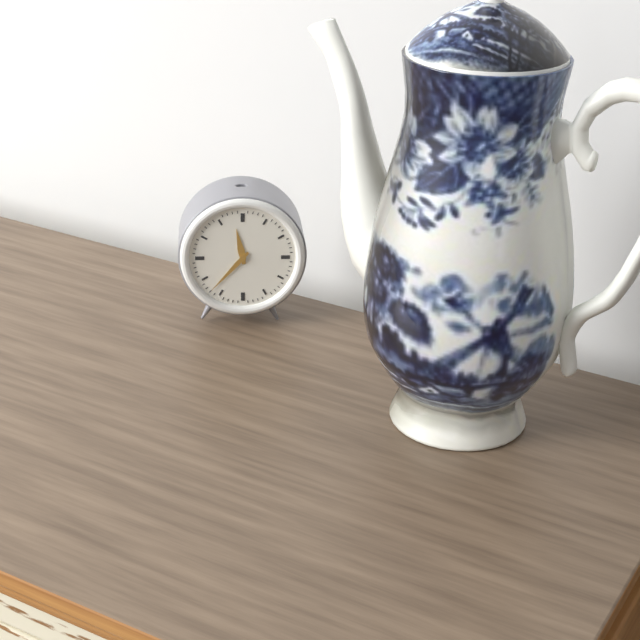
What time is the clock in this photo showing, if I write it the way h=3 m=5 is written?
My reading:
h=11 m=37
